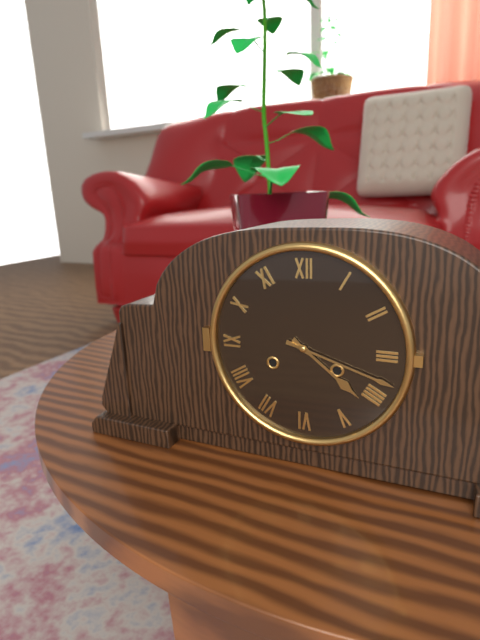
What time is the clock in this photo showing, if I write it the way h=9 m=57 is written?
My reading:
h=4 m=18
